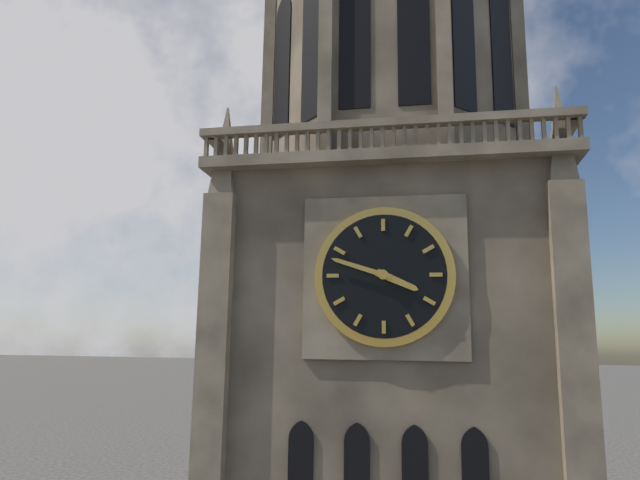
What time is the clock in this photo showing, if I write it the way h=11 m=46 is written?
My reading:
h=3 m=48
